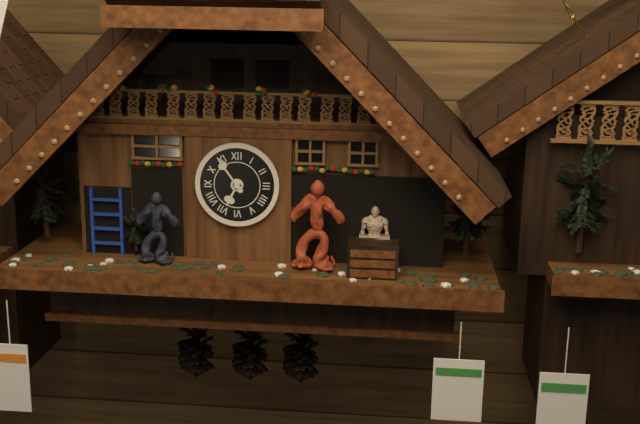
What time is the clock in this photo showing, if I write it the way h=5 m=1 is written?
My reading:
h=6 m=54
